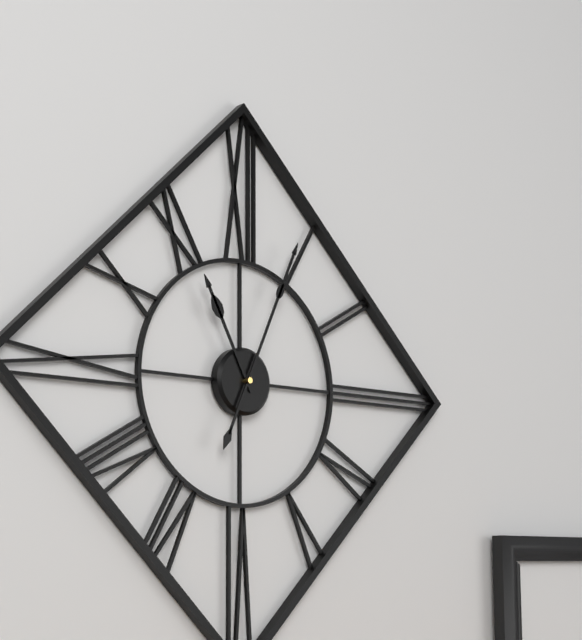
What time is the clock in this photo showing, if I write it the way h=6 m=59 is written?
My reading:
h=11 m=4
